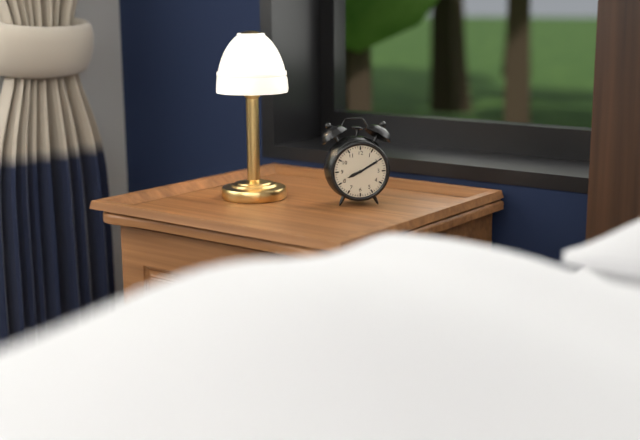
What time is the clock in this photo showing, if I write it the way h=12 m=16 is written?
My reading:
h=8 m=10
